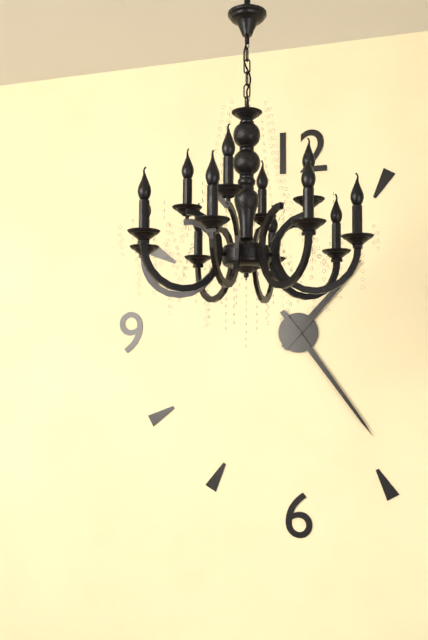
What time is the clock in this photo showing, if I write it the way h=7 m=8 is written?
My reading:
h=1 m=24
